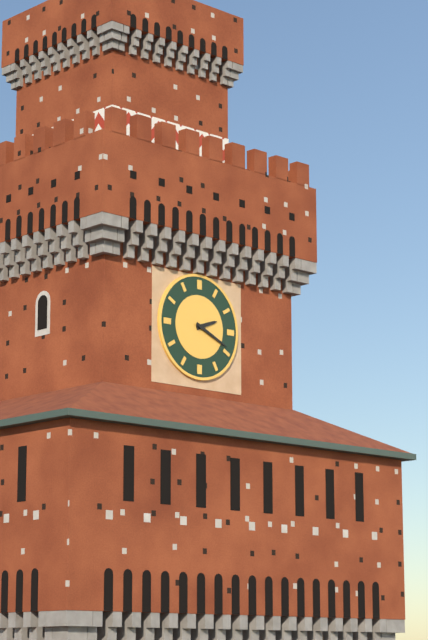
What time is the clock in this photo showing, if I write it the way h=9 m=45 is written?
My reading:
h=2 m=19
